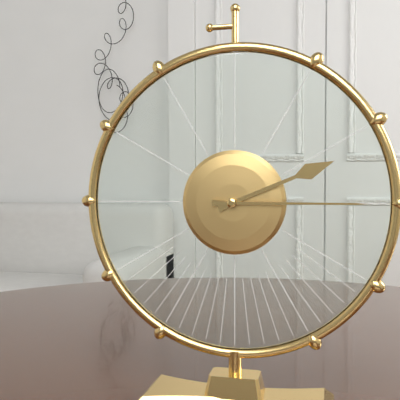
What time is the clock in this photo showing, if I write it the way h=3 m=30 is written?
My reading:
h=2 m=15
